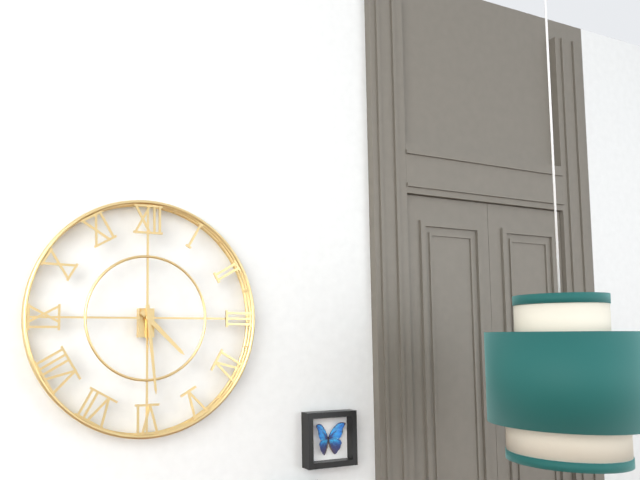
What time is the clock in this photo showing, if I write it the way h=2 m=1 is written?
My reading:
h=4 m=29
